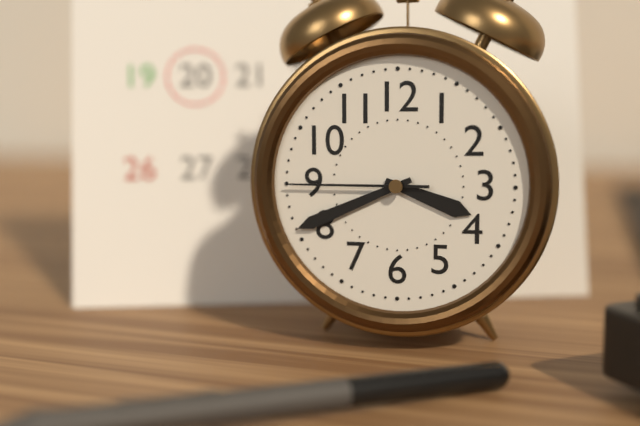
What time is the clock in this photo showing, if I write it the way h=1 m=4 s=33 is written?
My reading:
h=3 m=41 s=45
